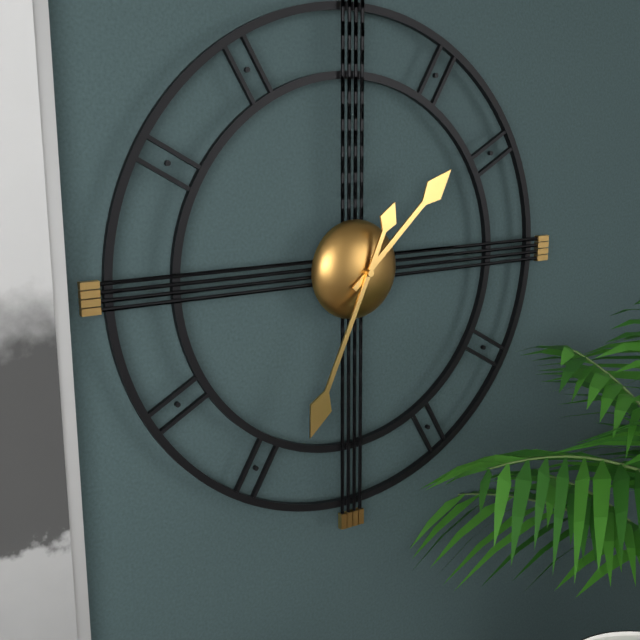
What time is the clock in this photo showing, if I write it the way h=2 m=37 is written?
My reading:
h=1 m=34
